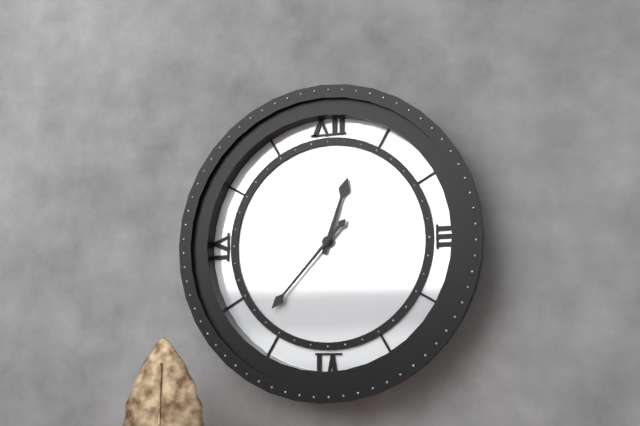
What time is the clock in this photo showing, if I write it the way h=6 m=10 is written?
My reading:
h=12 m=37
